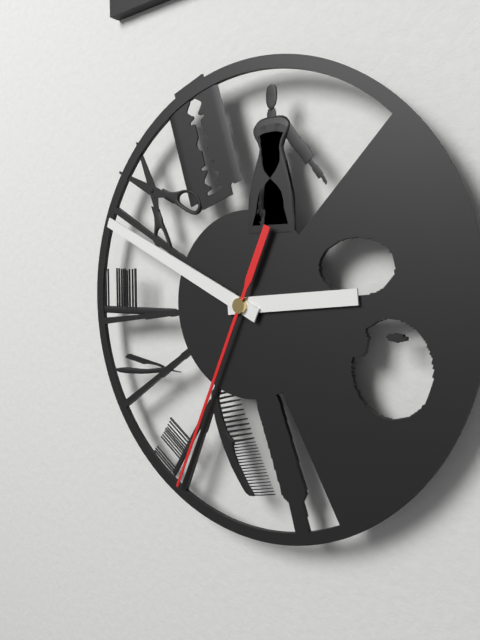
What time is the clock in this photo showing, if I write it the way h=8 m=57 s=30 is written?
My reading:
h=2 m=49 s=34
